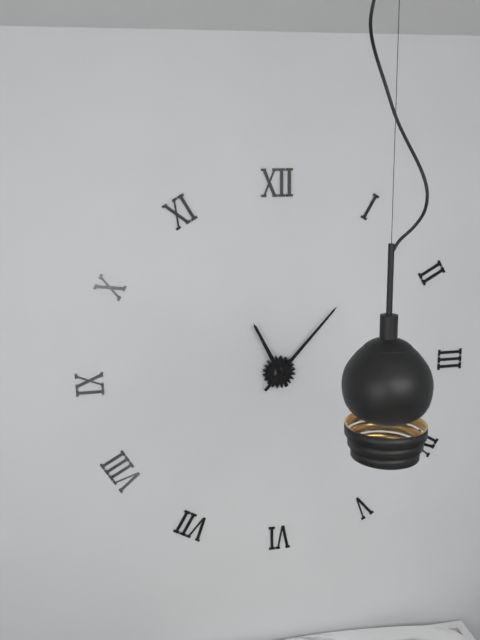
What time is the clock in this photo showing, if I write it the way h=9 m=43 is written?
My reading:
h=11 m=7
